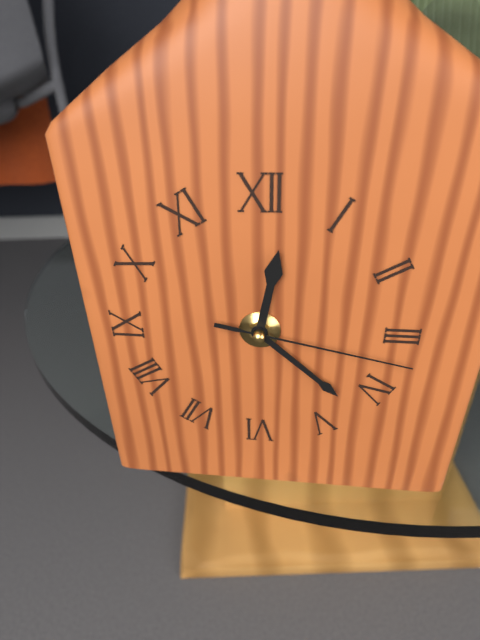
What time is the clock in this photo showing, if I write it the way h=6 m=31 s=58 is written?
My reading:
h=12 m=22 s=17
